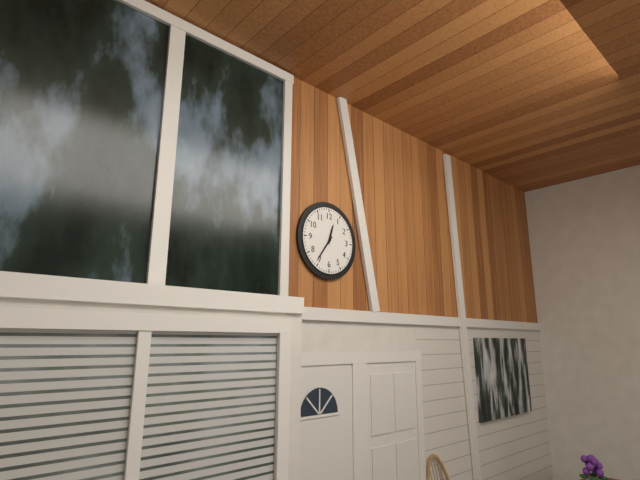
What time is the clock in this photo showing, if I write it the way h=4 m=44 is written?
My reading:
h=12 m=36
